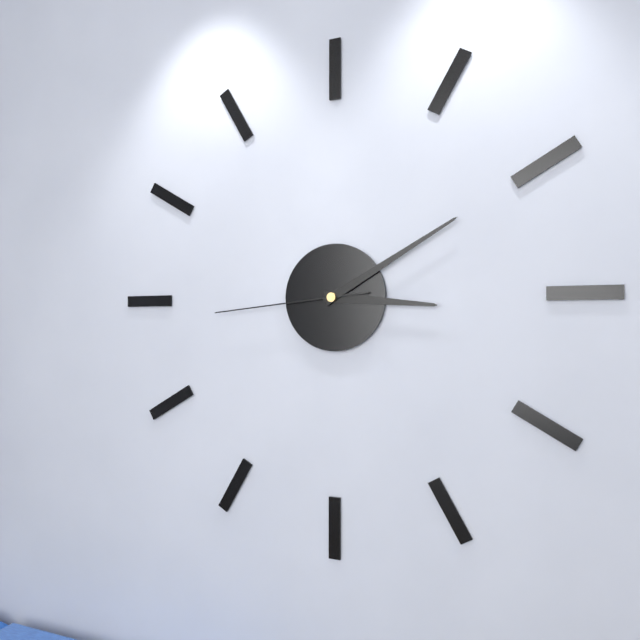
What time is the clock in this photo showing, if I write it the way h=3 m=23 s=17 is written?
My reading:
h=3 m=10 s=44
